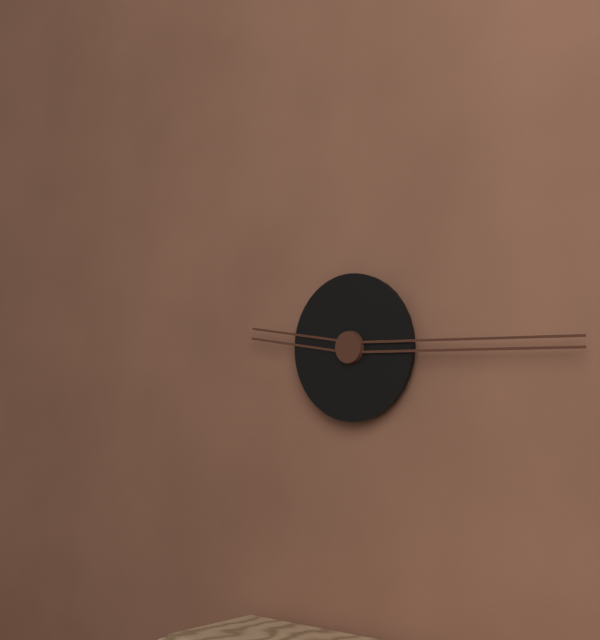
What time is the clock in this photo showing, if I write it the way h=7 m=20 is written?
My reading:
h=9 m=15
